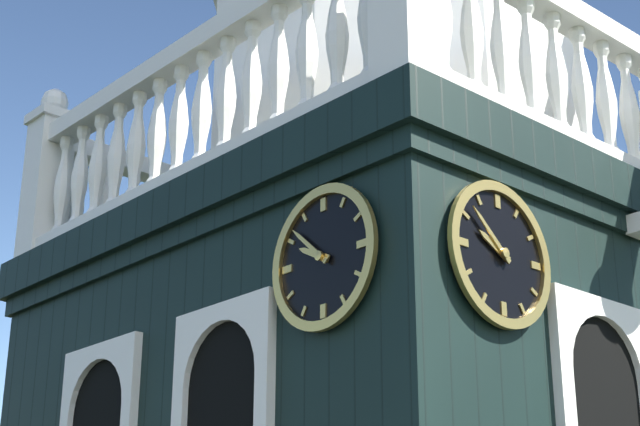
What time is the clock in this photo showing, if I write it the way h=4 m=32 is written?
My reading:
h=9 m=52
